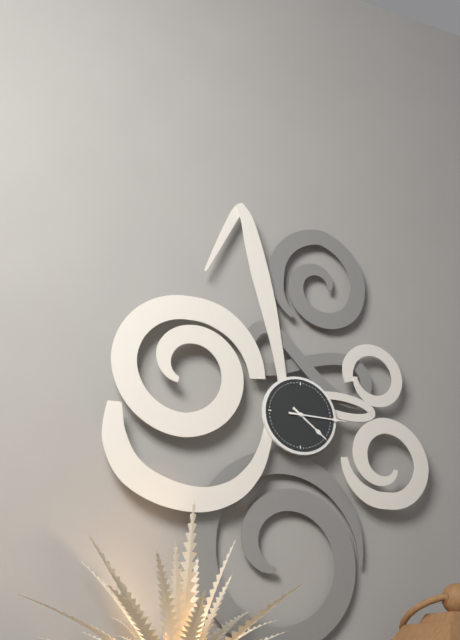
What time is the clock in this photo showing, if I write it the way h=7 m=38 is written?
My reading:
h=4 m=15
